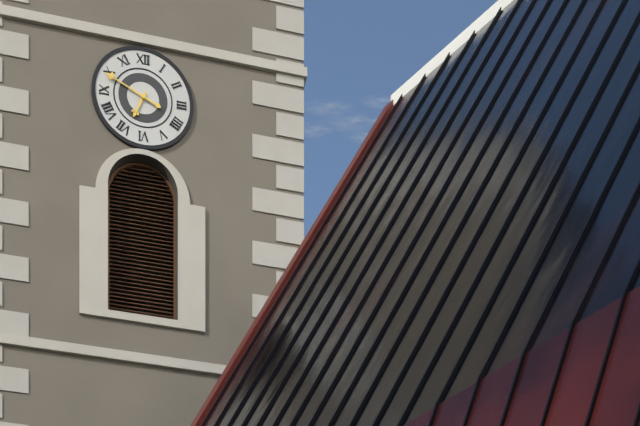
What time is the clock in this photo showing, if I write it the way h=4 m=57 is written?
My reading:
h=6 m=49
